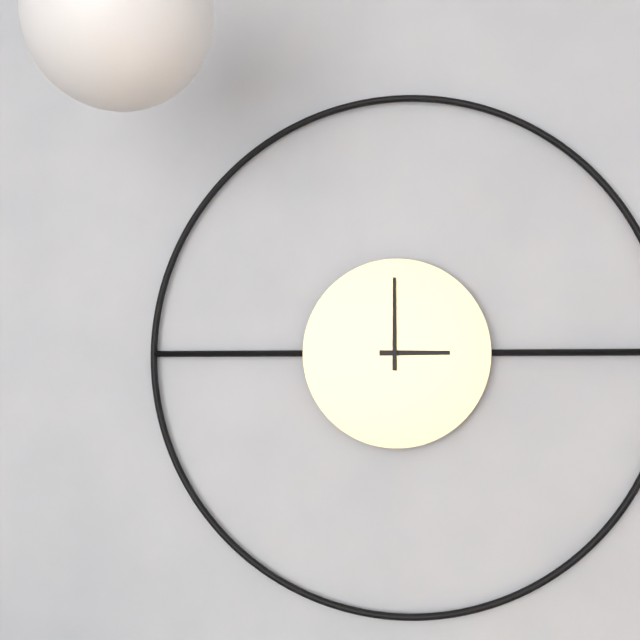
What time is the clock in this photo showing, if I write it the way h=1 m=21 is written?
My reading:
h=3 m=0
